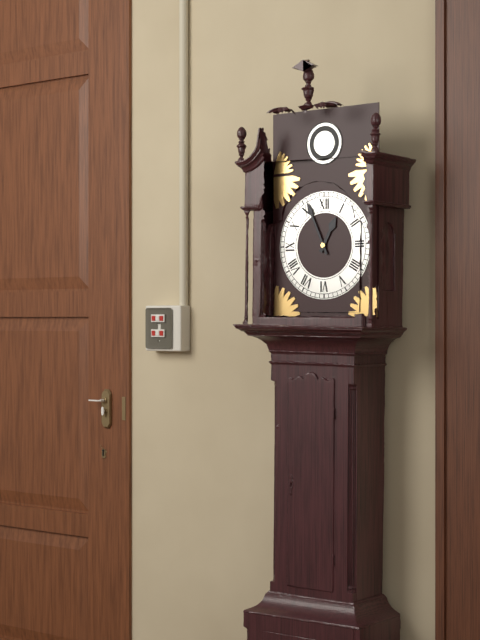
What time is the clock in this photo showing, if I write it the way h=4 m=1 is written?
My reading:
h=12 m=56
